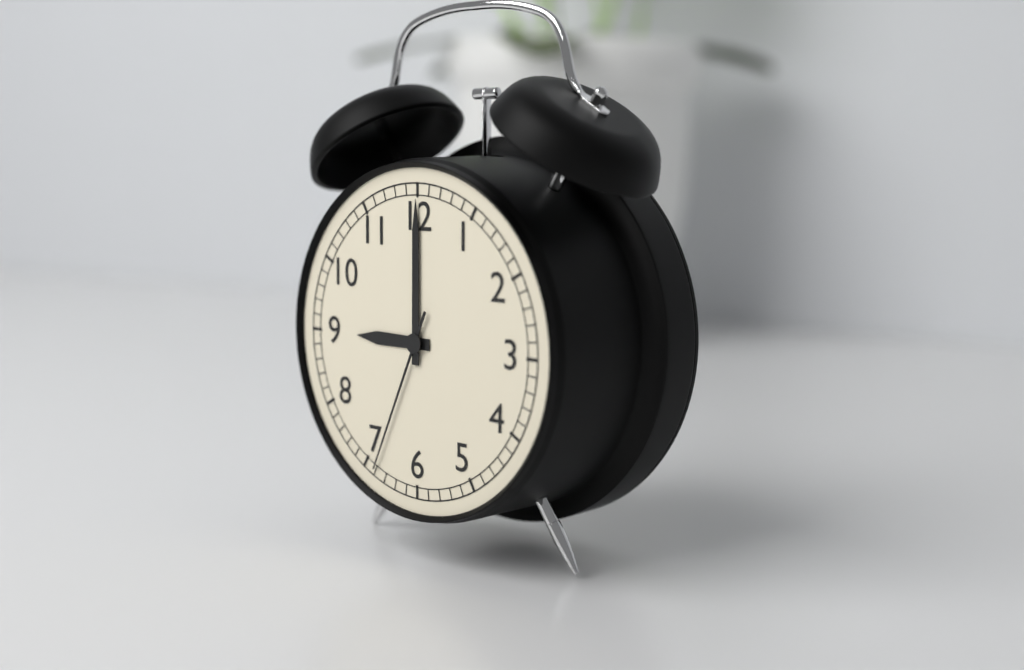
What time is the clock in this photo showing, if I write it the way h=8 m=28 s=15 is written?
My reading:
h=9 m=0 s=34
